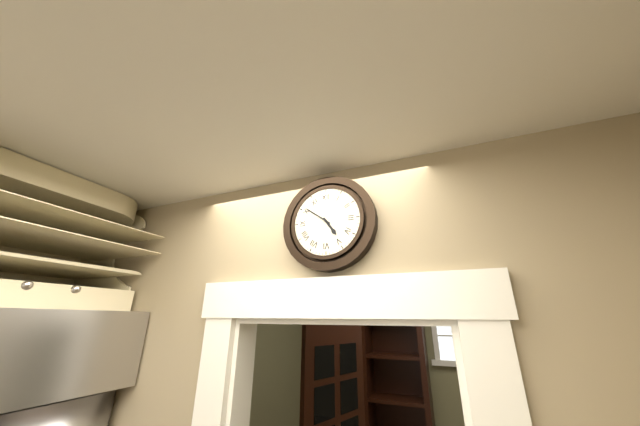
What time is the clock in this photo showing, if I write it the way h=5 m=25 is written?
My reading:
h=4 m=51
